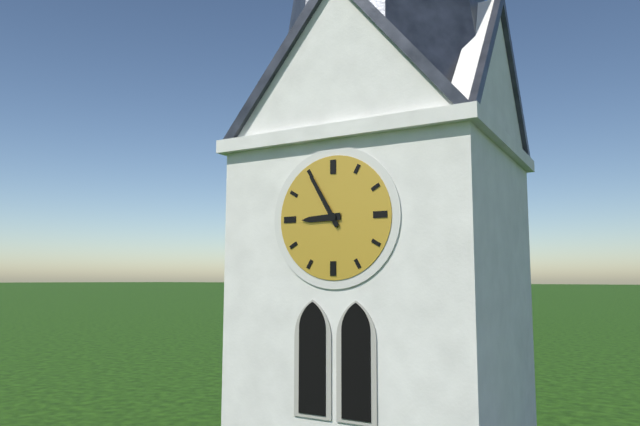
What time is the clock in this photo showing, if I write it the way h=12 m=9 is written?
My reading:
h=8 m=55
